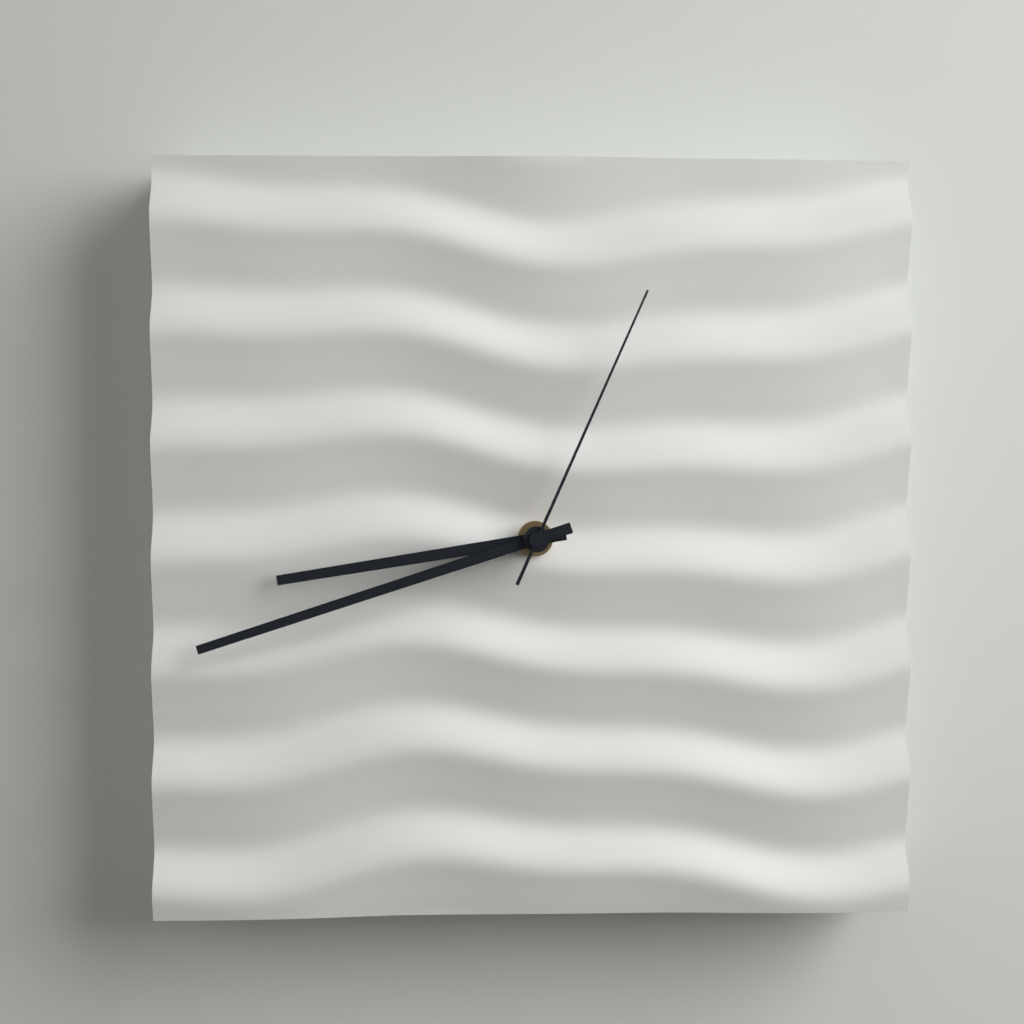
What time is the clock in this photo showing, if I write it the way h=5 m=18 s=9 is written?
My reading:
h=8 m=42 s=4
